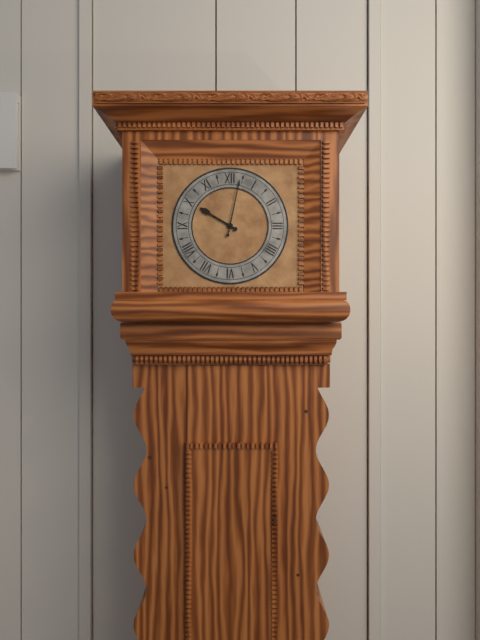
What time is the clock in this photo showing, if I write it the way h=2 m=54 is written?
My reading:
h=10 m=2
